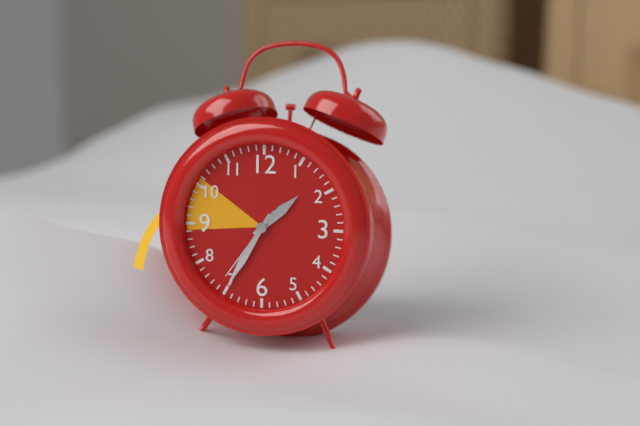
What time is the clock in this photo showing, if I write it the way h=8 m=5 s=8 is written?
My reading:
h=1 m=35 s=36
